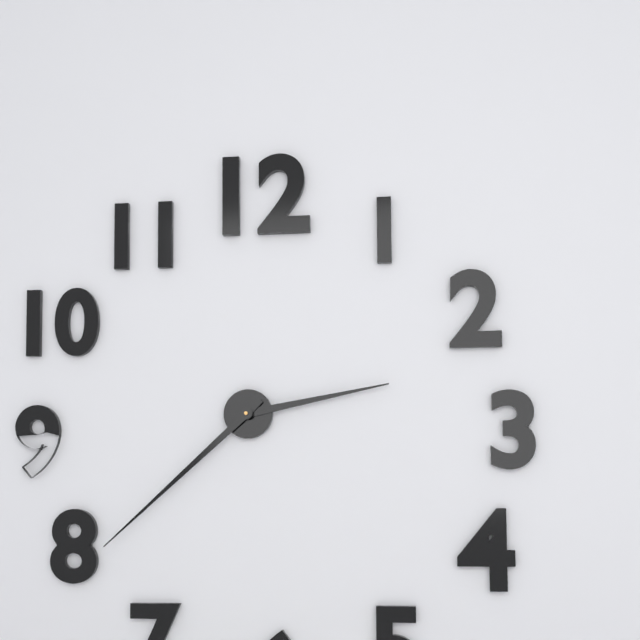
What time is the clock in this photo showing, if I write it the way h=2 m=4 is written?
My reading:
h=2 m=38
